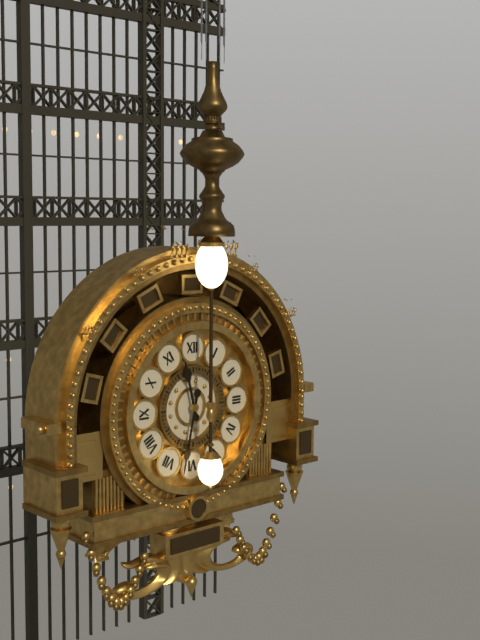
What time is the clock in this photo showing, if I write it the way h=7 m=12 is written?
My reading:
h=11 m=32
